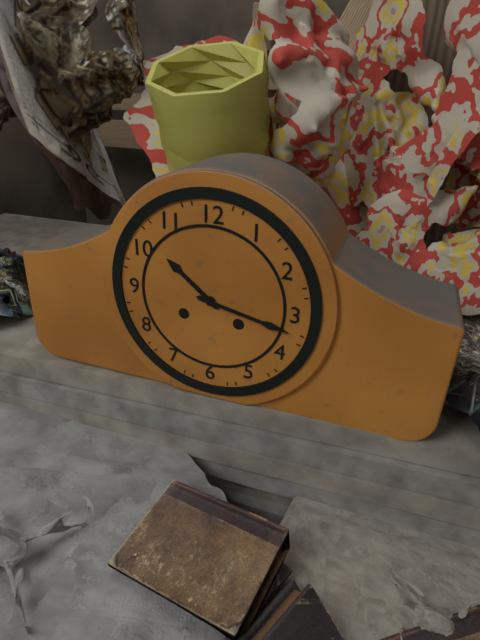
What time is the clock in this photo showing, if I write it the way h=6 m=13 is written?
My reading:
h=10 m=17
